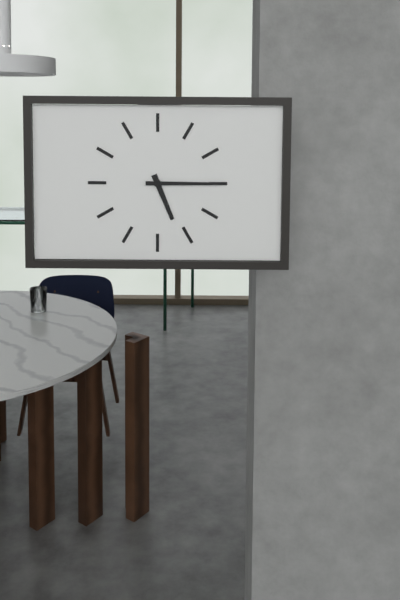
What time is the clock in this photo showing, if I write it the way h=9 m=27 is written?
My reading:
h=5 m=15
